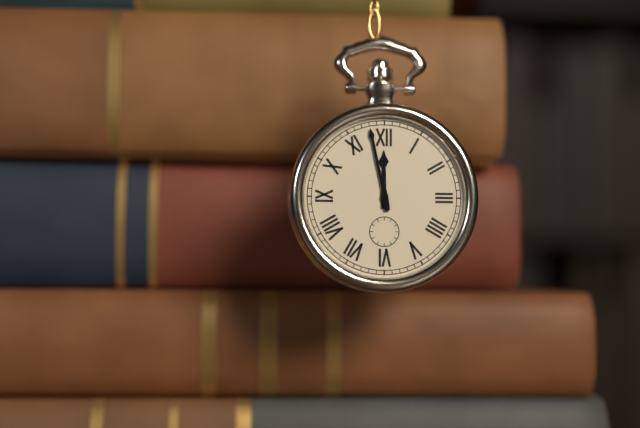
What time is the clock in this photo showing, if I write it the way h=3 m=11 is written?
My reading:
h=11 m=58
